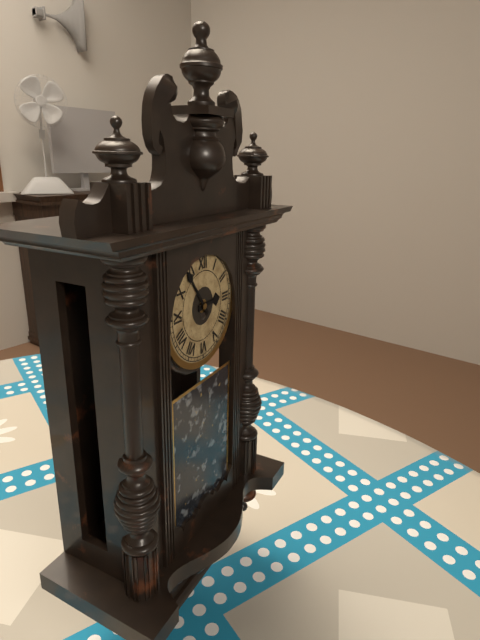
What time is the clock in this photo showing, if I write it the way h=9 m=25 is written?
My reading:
h=2 m=54
